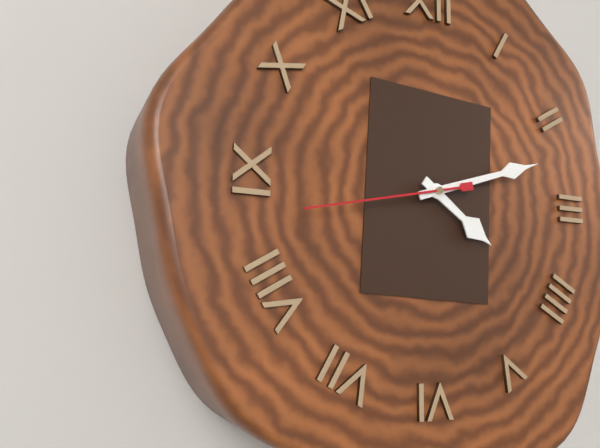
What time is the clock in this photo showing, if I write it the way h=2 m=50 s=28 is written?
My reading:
h=4 m=12 s=43
